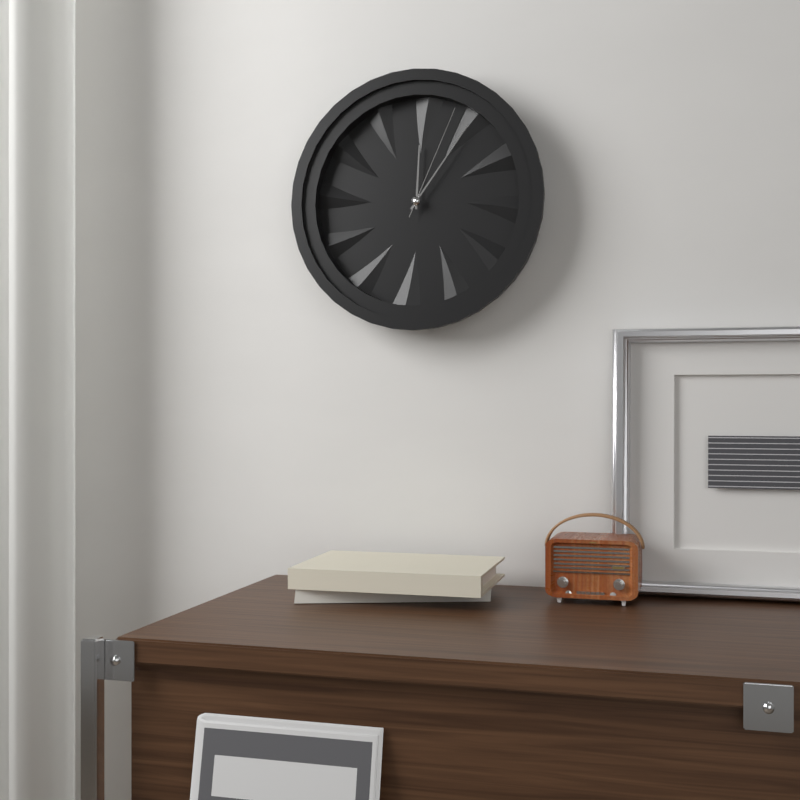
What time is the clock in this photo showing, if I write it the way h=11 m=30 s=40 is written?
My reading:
h=12 m=6 s=4
